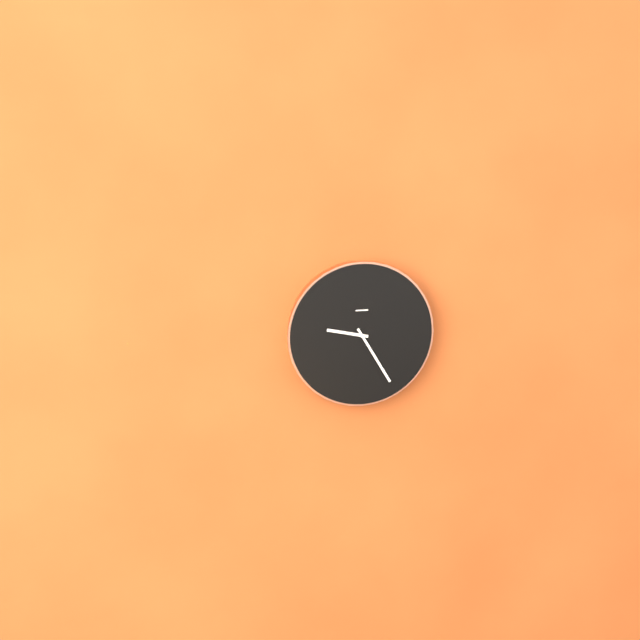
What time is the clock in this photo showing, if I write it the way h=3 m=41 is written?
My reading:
h=9 m=25
